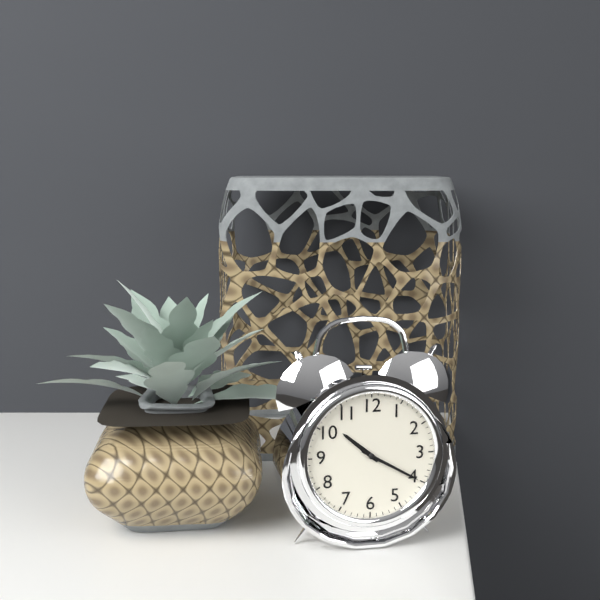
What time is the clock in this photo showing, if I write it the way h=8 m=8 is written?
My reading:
h=10 m=20
